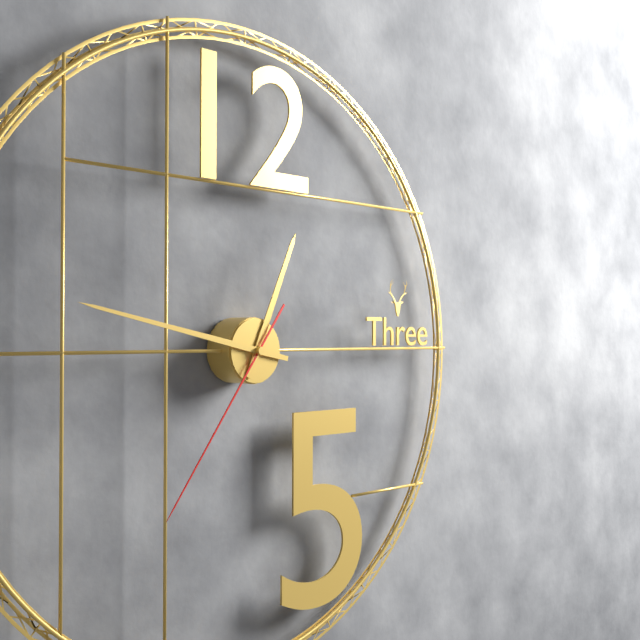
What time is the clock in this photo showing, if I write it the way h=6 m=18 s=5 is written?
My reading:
h=12 m=47 s=36
